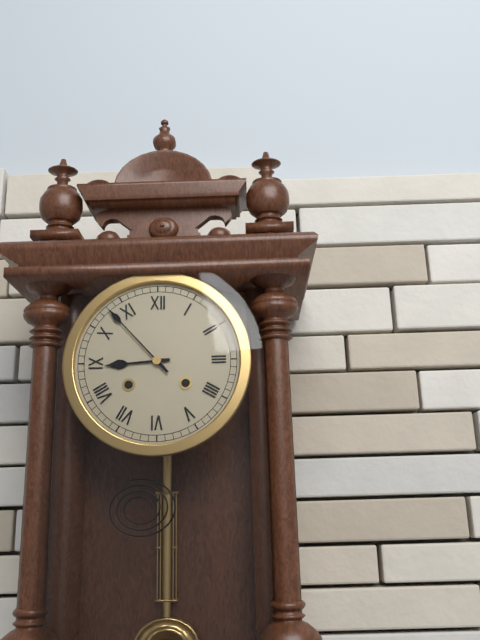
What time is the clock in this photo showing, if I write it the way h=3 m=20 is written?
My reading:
h=8 m=53
